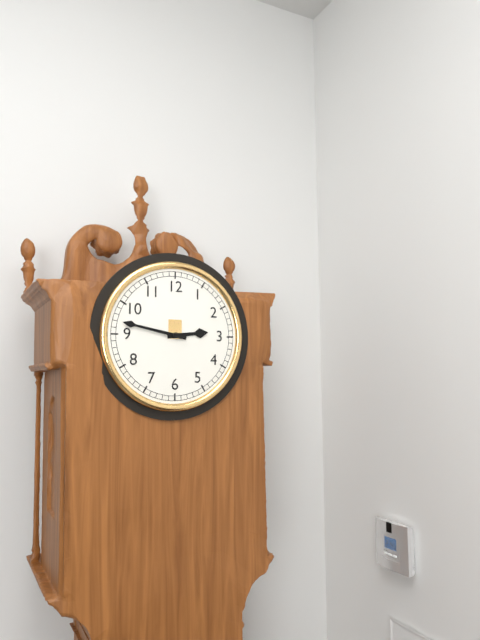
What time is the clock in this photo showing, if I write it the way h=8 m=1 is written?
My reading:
h=2 m=47
